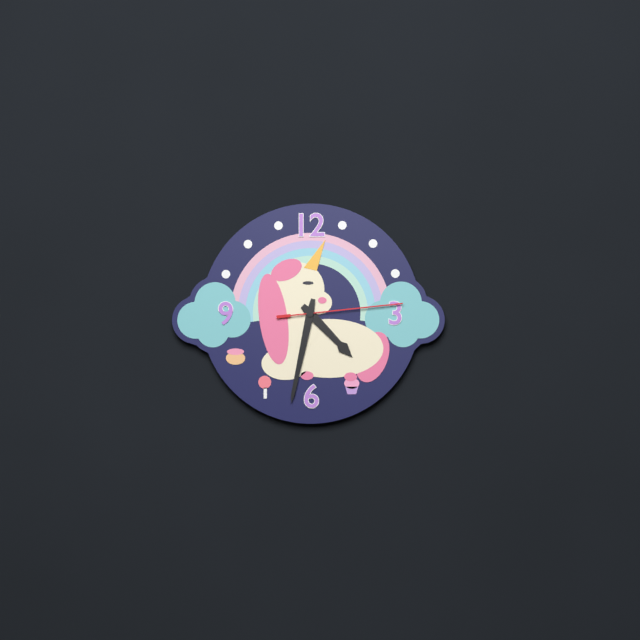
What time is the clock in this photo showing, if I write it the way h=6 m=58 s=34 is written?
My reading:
h=4 m=32 s=14
